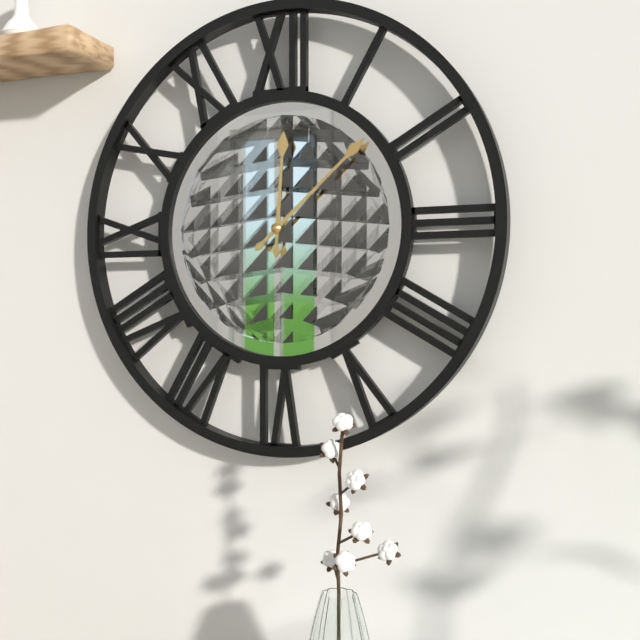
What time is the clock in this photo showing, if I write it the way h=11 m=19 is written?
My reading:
h=12 m=8
